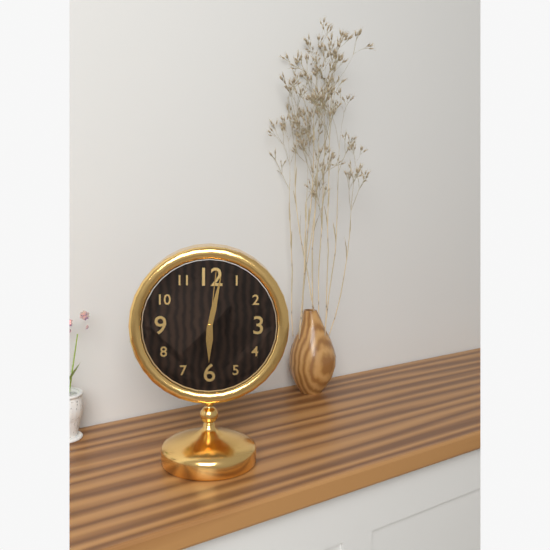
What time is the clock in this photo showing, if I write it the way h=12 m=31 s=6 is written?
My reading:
h=6 m=2 s=1
